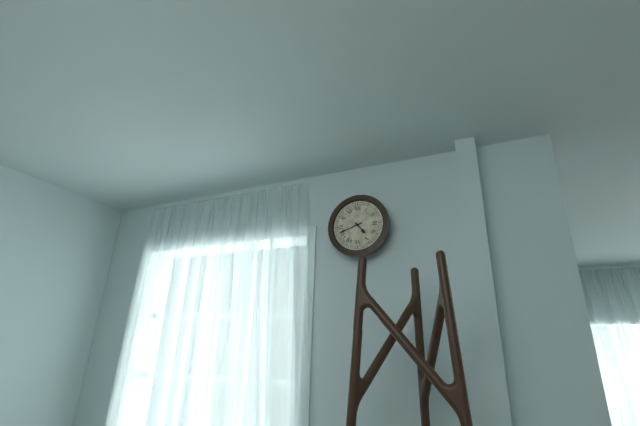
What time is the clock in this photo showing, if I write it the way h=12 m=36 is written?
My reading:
h=4 m=42
